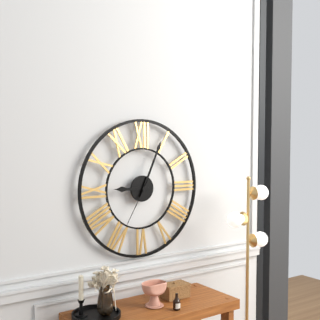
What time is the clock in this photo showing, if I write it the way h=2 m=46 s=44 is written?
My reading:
h=9 m=4 s=35
